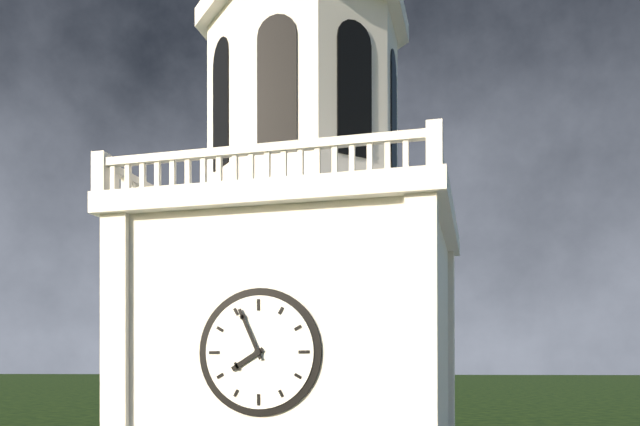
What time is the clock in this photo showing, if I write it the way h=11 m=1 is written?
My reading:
h=7 m=56
